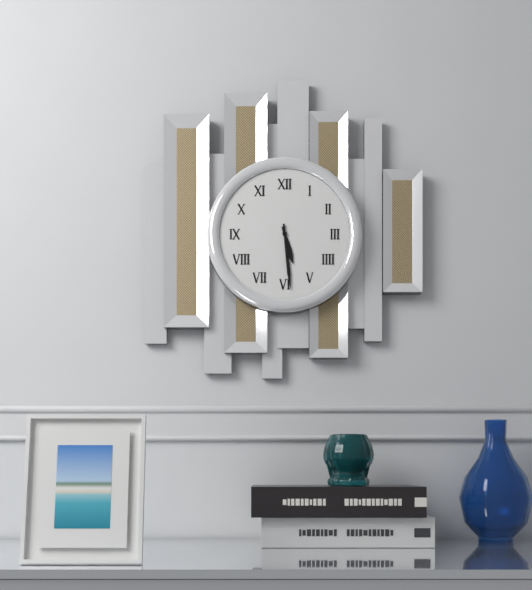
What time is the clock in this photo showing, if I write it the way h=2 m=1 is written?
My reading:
h=5 m=29
